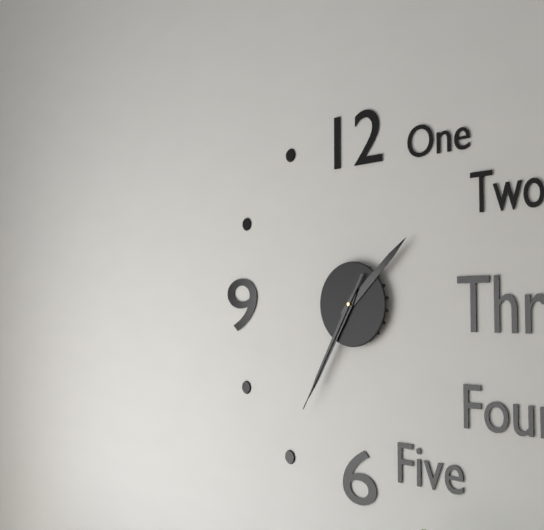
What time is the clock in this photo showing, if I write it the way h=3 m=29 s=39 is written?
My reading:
h=1 m=35 s=35
